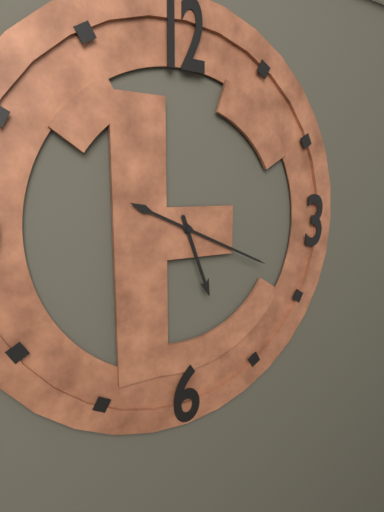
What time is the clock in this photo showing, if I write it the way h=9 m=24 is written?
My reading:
h=5 m=19
